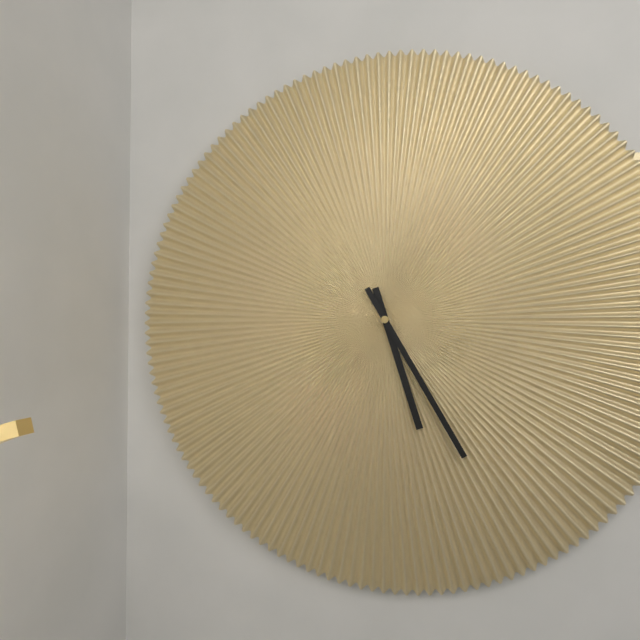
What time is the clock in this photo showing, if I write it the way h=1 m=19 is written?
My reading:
h=5 m=25
